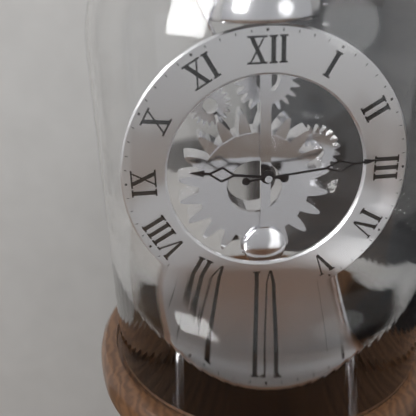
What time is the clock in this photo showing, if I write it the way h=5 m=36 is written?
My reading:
h=9 m=14
